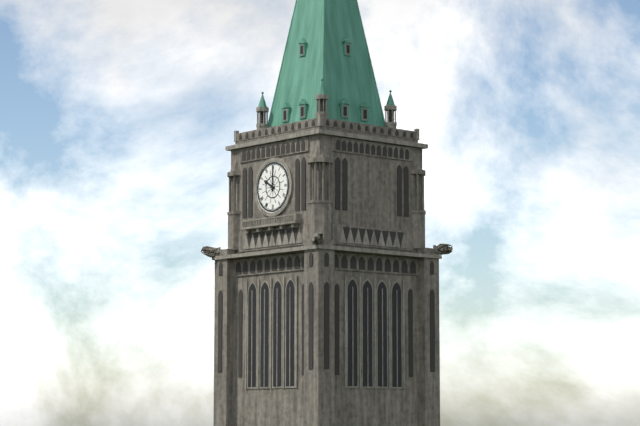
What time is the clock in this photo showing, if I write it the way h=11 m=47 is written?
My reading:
h=10 m=0
